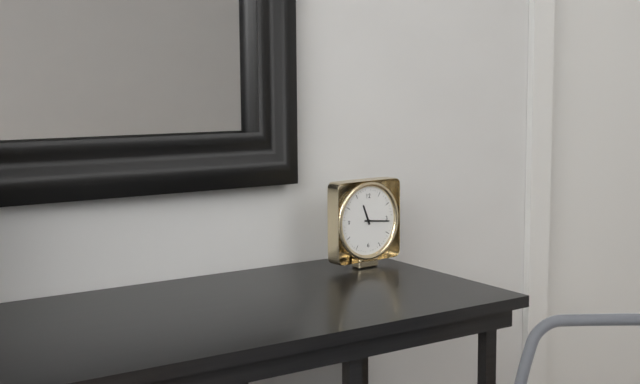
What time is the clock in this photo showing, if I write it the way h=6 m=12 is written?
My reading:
h=11 m=16
